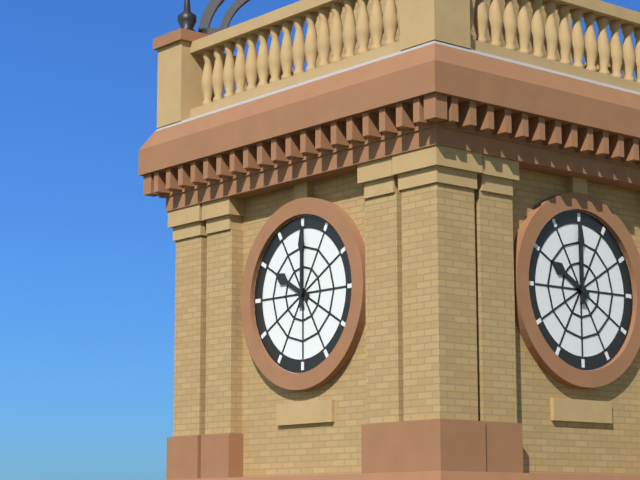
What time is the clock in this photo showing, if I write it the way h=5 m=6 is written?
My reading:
h=10 m=0
